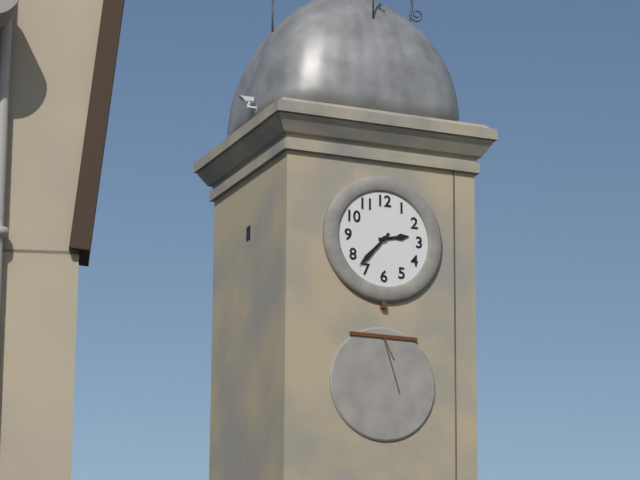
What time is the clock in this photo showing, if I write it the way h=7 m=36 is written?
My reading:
h=2 m=37
